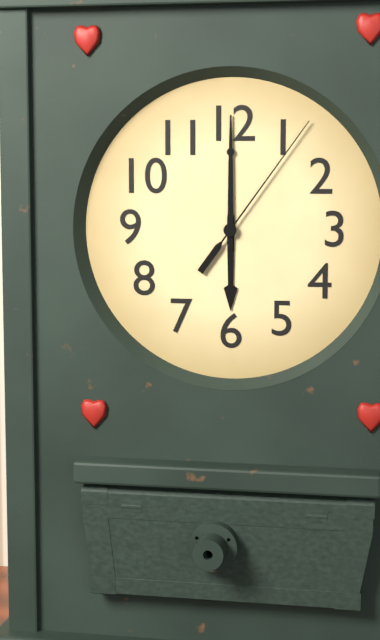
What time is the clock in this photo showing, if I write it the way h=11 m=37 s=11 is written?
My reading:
h=6 m=0 s=6
